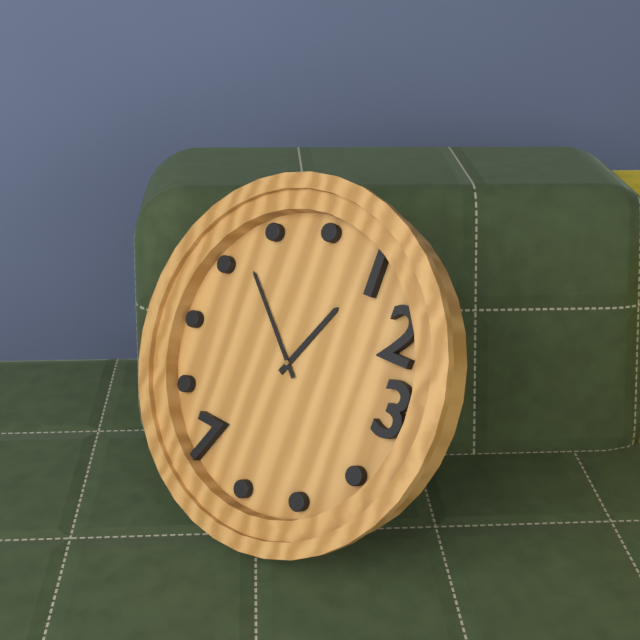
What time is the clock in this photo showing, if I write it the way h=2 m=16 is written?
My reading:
h=12 m=52
